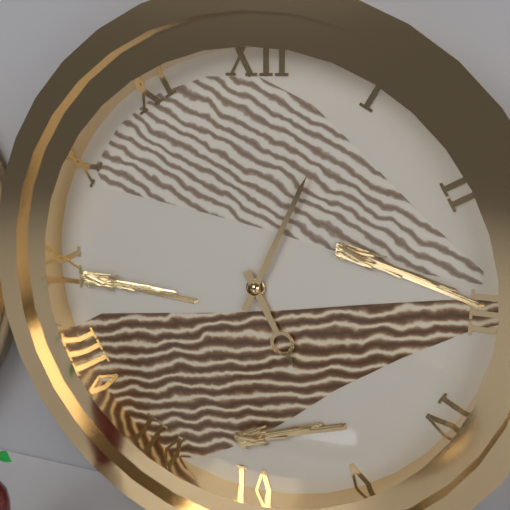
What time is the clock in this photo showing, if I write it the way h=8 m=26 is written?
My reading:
h=5 m=4
